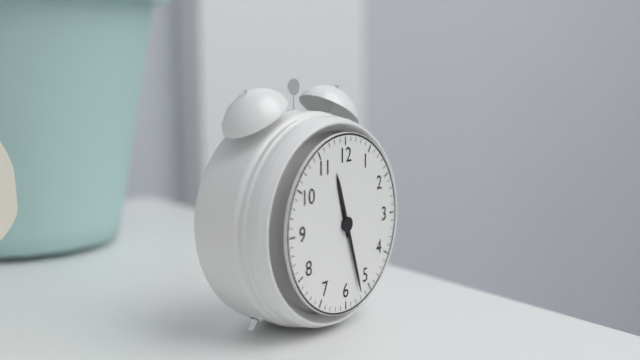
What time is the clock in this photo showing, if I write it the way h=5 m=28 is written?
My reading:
h=11 m=27
